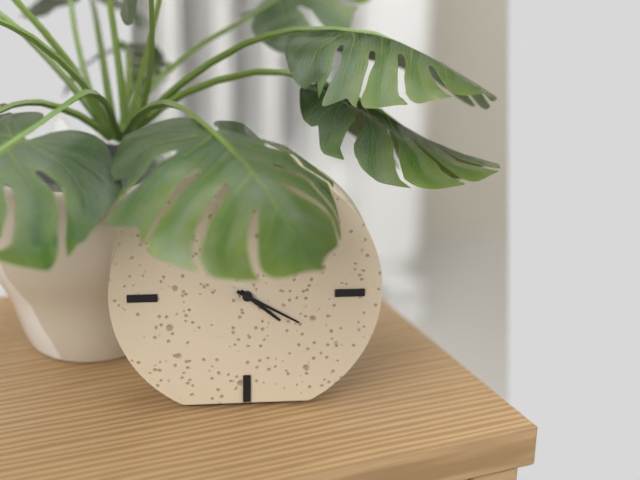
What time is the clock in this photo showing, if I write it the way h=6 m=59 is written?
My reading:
h=4 m=20
